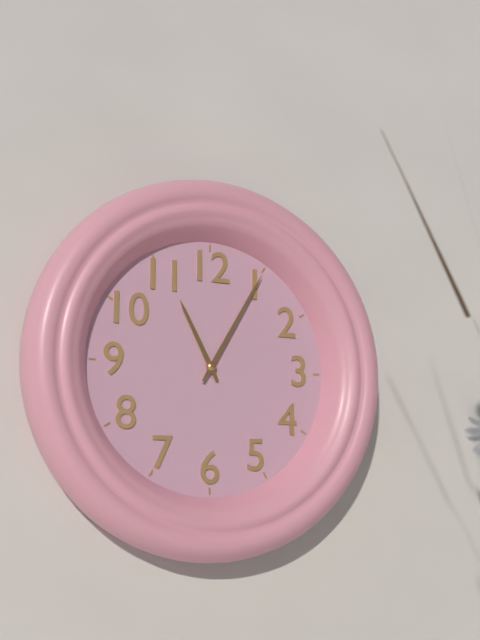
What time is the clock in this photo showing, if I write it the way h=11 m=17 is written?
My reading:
h=11 m=5
